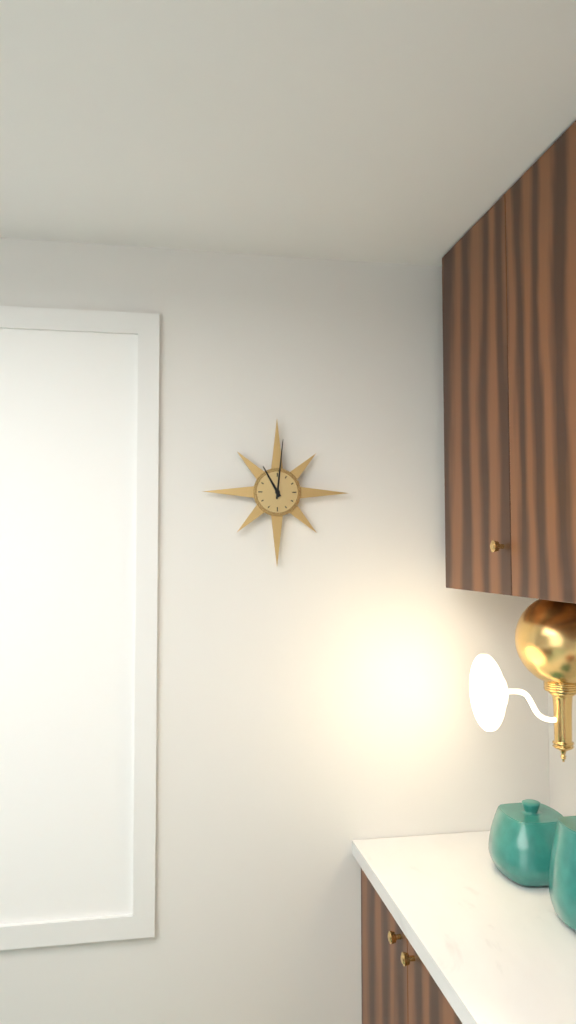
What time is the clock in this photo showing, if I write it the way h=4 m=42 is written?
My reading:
h=11 m=1
